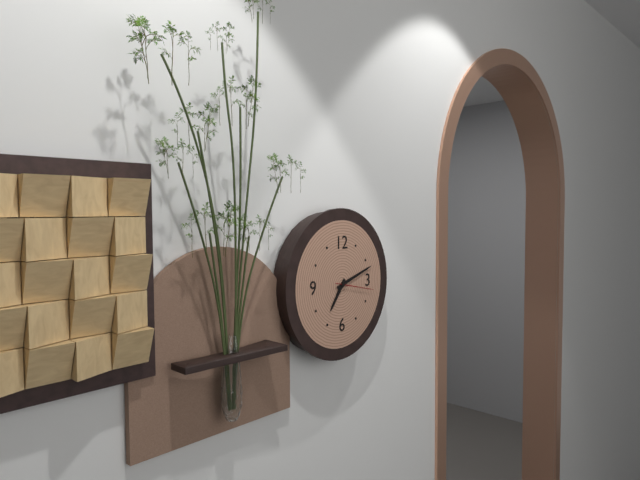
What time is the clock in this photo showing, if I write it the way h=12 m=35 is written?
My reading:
h=7 m=12
